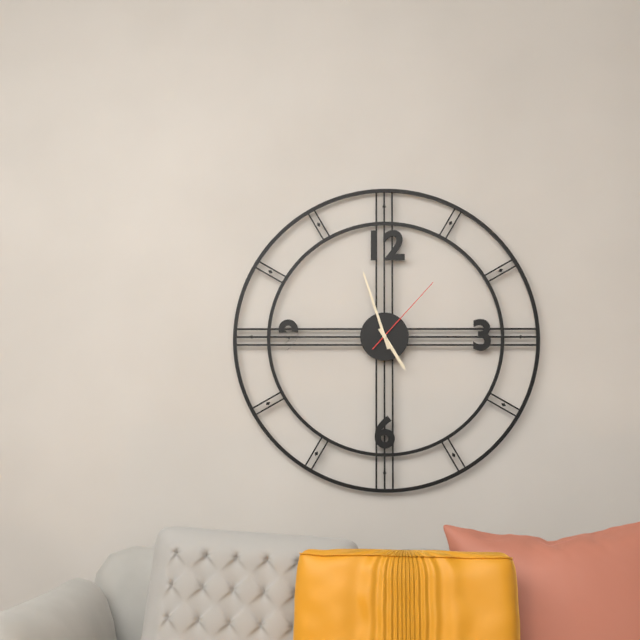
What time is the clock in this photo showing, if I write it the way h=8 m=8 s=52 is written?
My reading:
h=4 m=57 s=7
